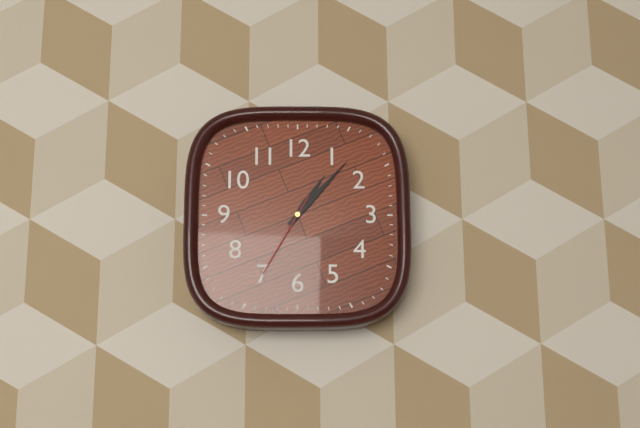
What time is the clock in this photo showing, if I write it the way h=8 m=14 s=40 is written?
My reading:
h=1 m=7 s=35
